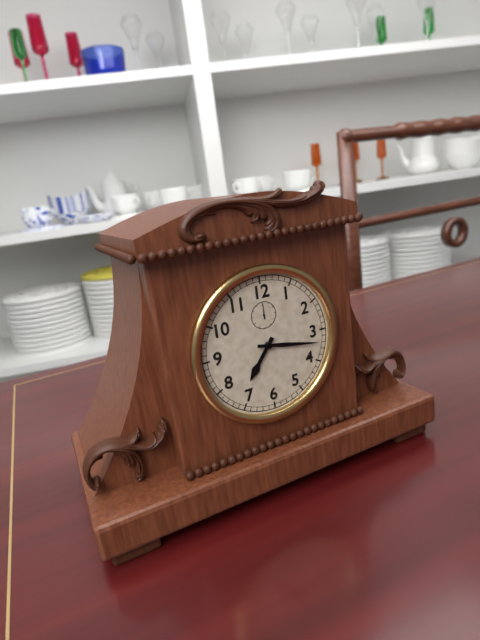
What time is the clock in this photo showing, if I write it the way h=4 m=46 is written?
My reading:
h=7 m=17
